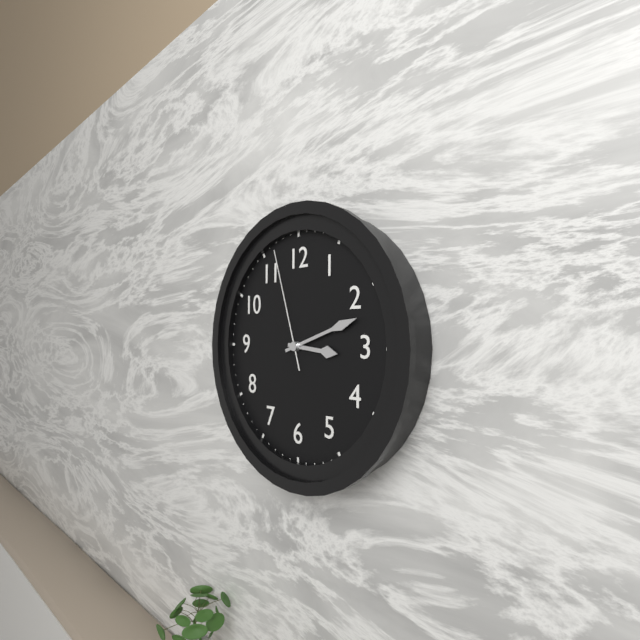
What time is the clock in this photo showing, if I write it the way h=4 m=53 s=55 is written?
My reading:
h=3 m=12 s=57
